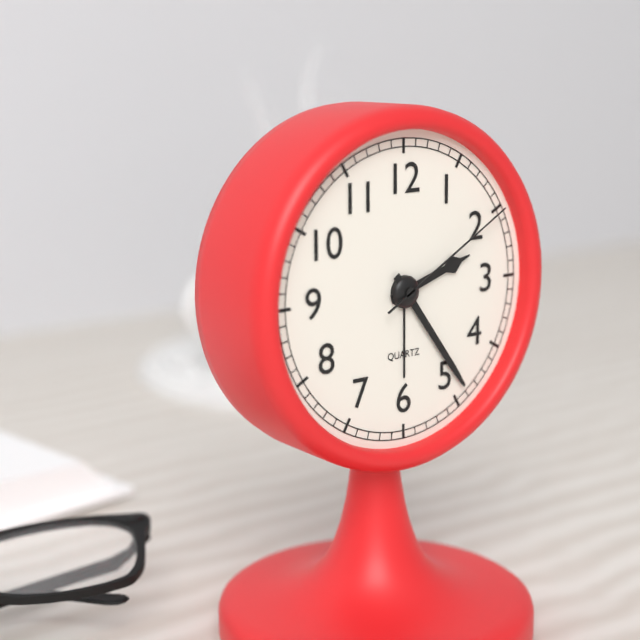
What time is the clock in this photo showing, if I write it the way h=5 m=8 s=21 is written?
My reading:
h=2 m=24 s=10
